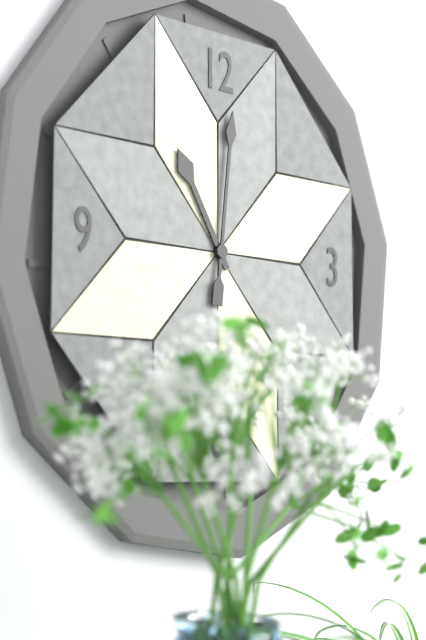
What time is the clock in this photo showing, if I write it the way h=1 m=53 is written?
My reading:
h=11 m=1
